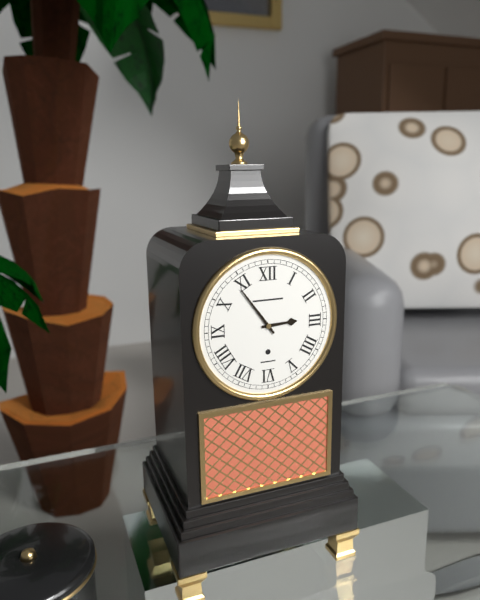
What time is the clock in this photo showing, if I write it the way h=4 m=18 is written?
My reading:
h=2 m=54
